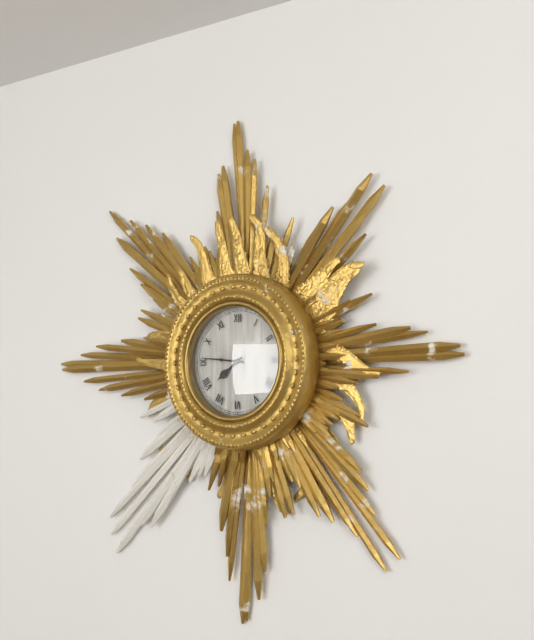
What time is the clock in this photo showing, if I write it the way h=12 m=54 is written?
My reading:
h=7 m=46
